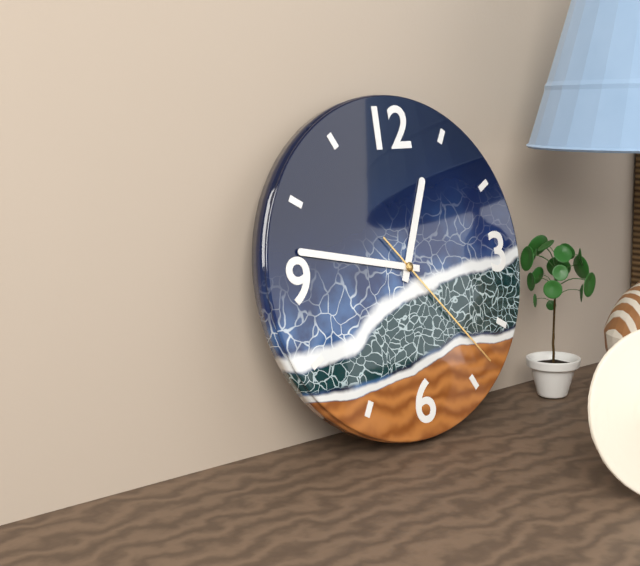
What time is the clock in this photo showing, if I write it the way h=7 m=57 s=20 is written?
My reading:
h=12 m=47 s=23
